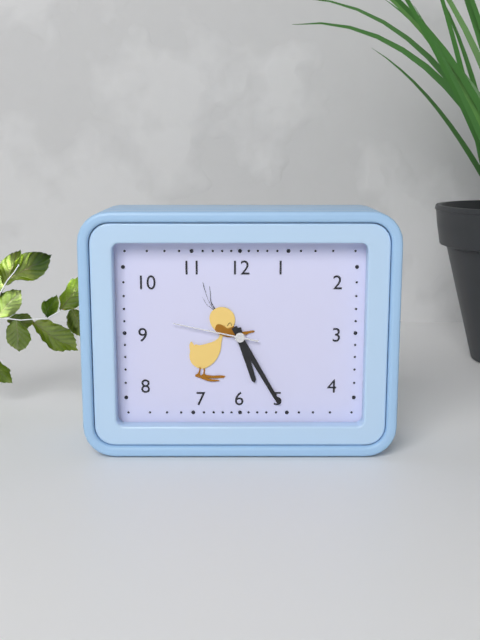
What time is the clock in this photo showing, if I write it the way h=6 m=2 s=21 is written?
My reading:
h=5 m=25 s=47
